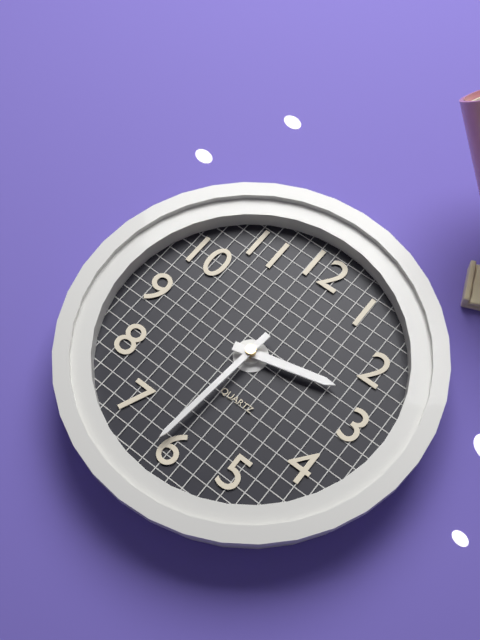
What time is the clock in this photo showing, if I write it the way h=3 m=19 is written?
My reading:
h=2 m=31
